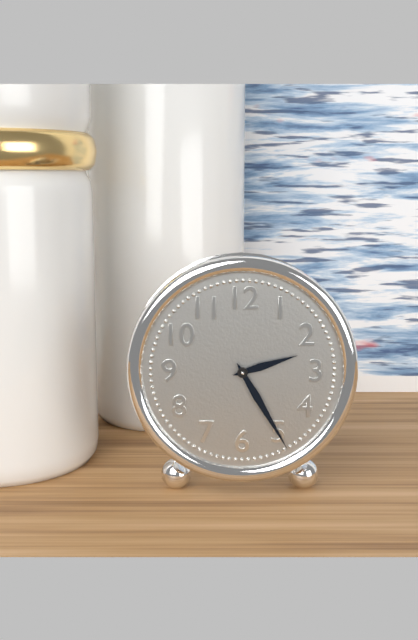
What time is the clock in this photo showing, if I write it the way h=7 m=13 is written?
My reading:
h=2 m=25
